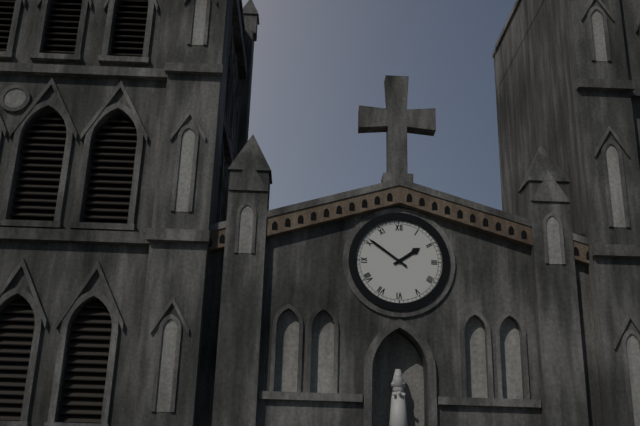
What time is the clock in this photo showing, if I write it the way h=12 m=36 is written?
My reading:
h=1 m=51
